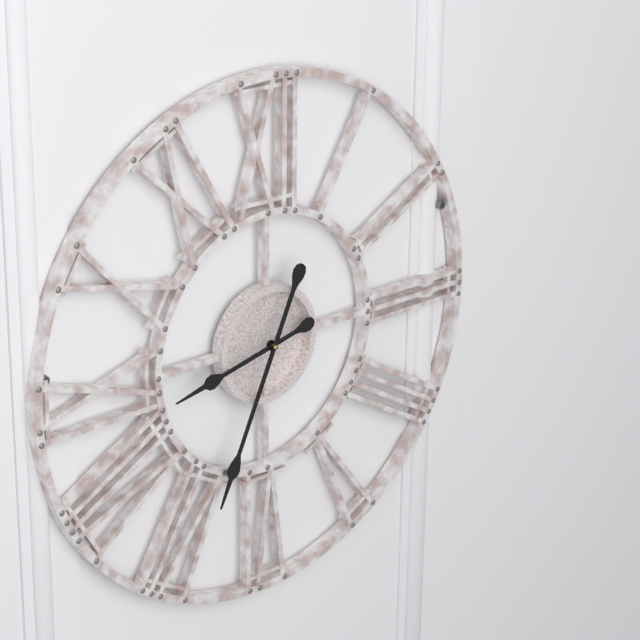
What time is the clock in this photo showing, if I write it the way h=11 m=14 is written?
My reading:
h=8 m=34
